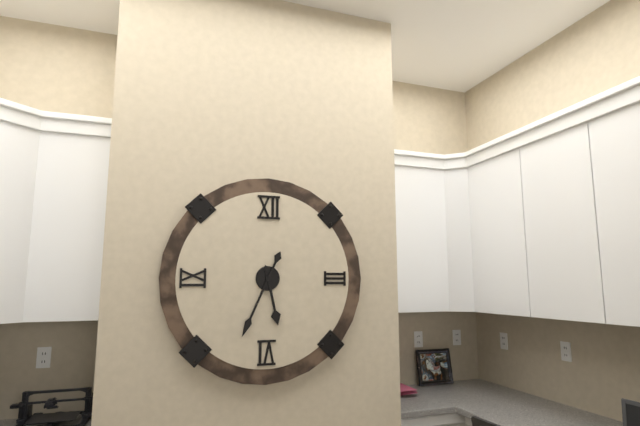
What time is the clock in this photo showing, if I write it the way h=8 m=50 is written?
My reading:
h=5 m=34
